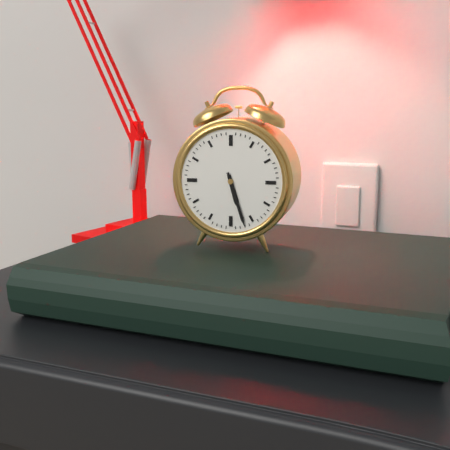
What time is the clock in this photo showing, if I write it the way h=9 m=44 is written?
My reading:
h=5 m=27
